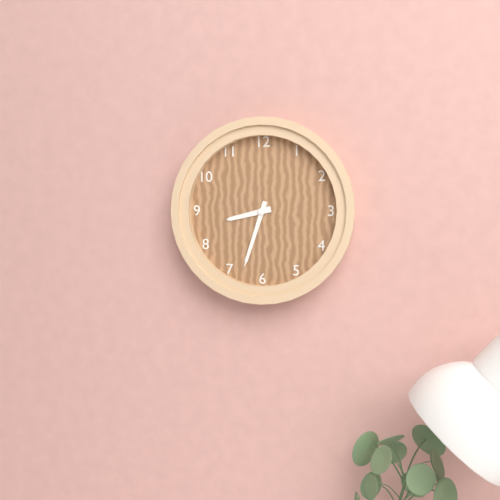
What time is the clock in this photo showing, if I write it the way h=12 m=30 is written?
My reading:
h=8 m=33
